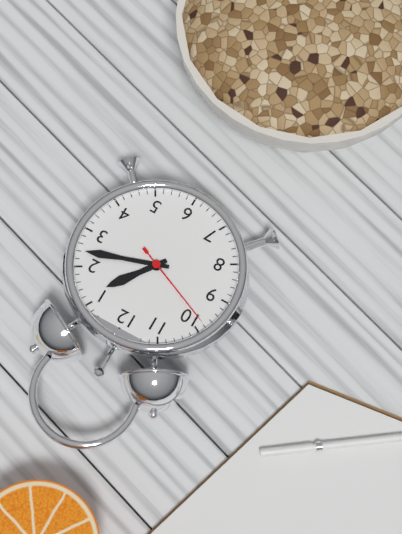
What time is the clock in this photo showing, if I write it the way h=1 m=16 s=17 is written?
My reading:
h=1 m=12 s=49
